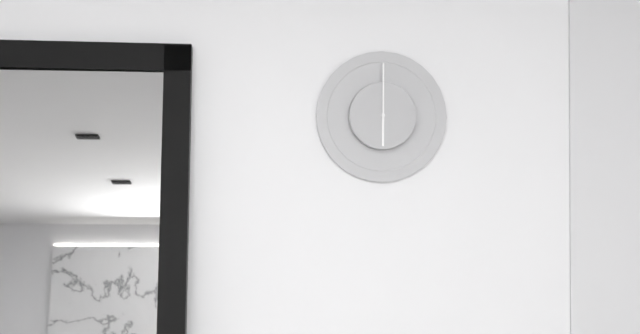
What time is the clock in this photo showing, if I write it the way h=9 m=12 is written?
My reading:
h=6 m=0
